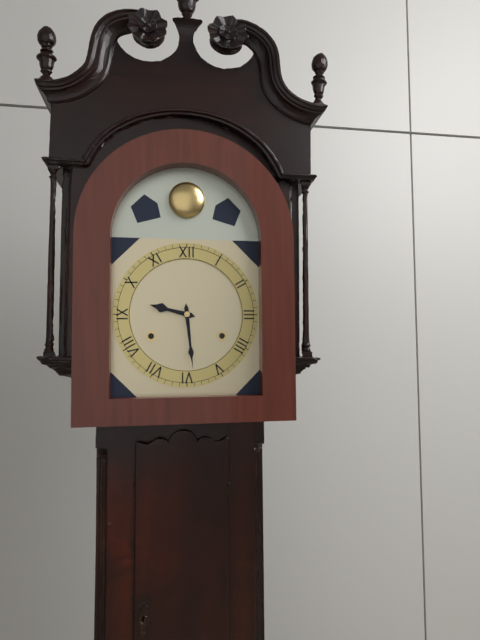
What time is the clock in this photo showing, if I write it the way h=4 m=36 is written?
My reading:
h=9 m=29
